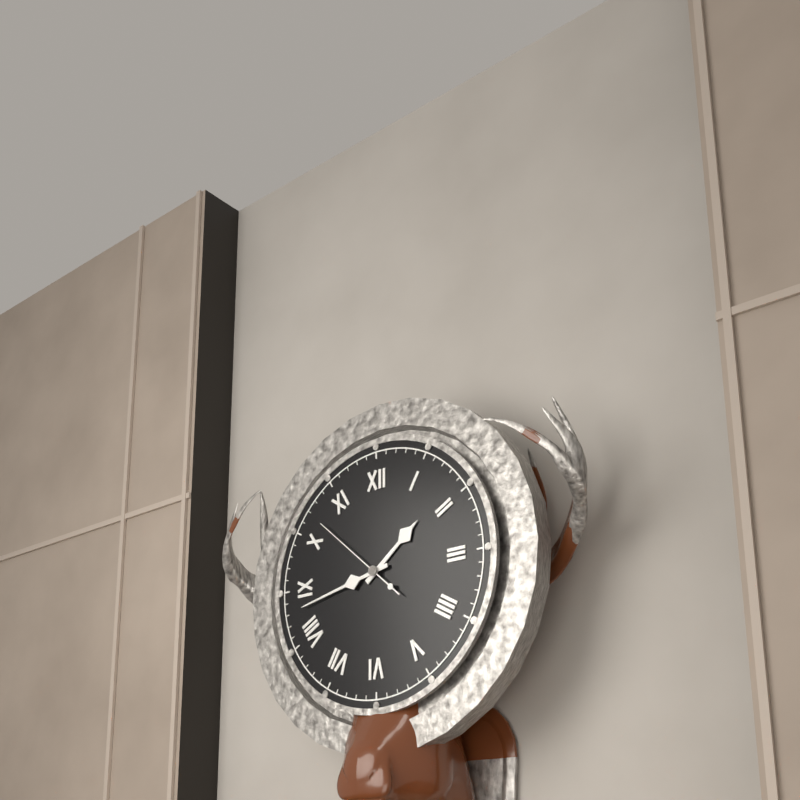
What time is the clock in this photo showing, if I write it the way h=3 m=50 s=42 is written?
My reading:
h=1 m=43 s=52
